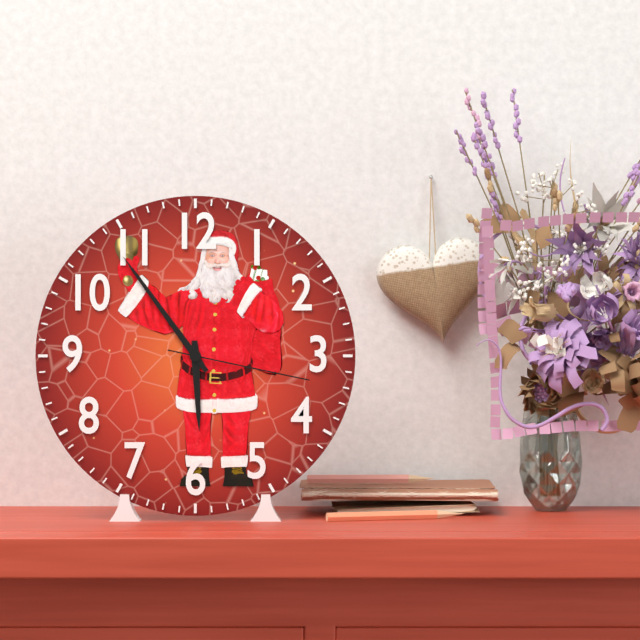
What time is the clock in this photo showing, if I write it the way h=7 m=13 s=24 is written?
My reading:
h=5 m=54 s=17
